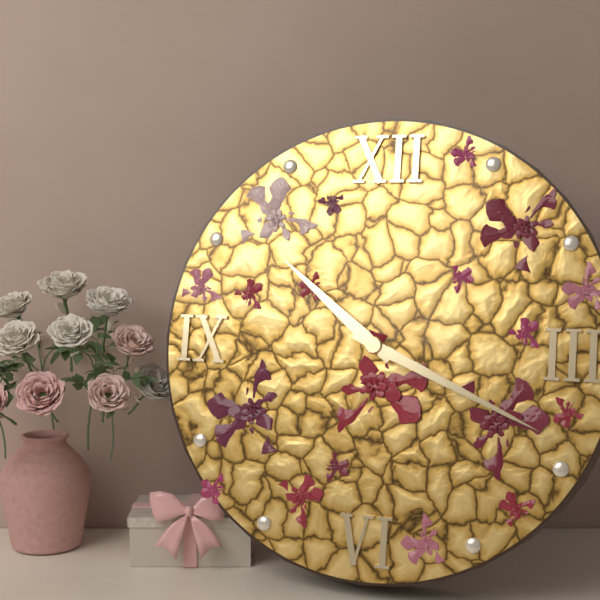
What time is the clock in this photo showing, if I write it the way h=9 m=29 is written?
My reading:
h=10 m=19
